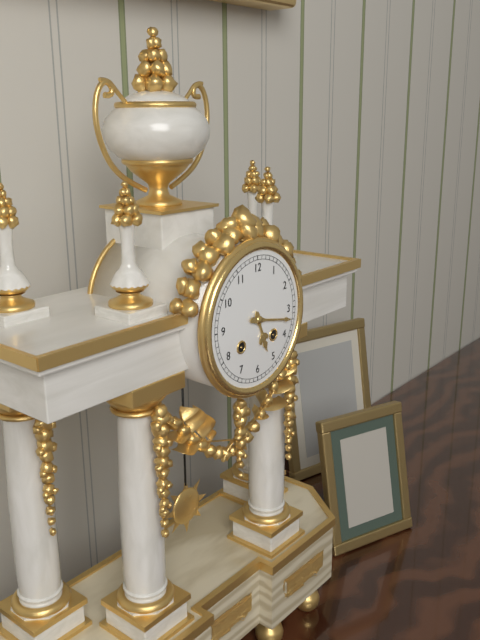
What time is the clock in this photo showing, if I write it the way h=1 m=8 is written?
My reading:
h=5 m=17
